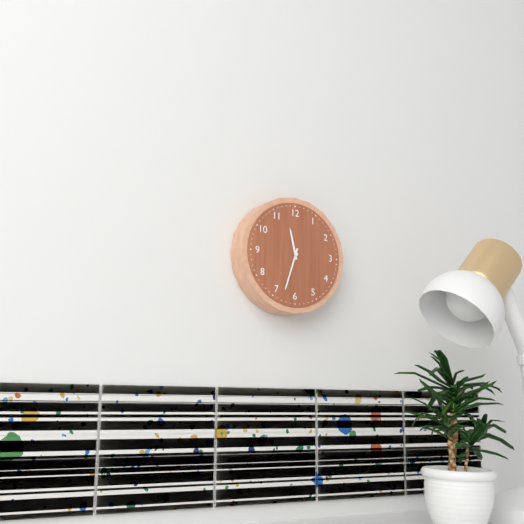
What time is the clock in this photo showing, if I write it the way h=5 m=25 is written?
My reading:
h=11 m=33
